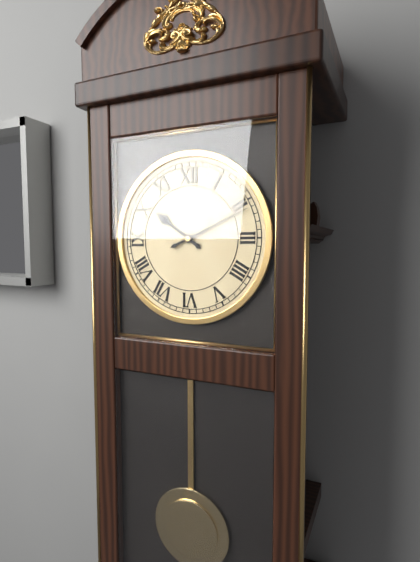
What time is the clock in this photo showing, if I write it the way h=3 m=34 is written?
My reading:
h=10 m=11
